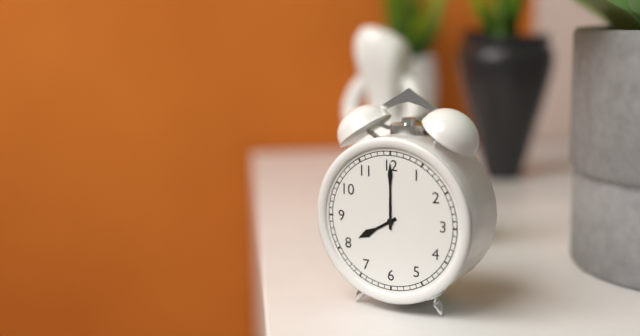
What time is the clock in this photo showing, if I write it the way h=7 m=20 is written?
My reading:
h=8 m=0
